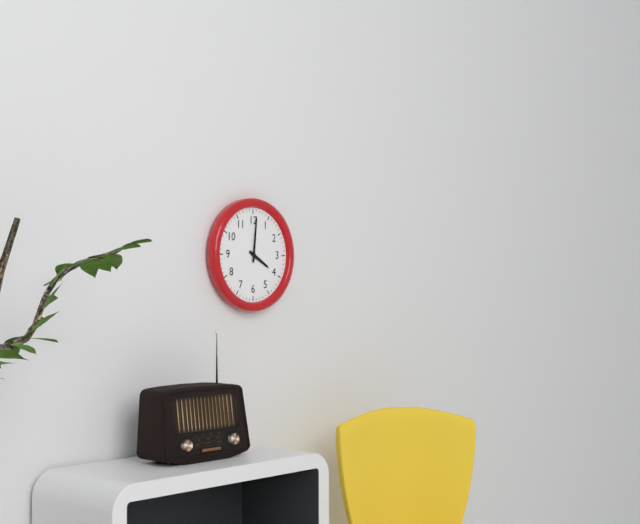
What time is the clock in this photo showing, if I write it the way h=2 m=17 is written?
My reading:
h=4 m=1
